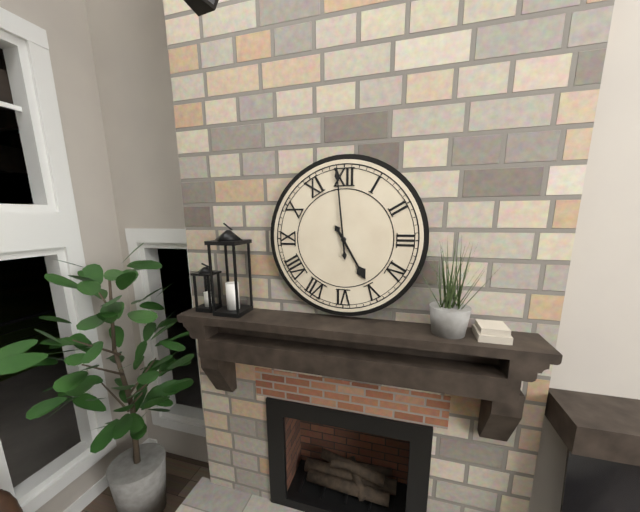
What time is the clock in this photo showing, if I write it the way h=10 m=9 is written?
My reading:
h=4 m=59
